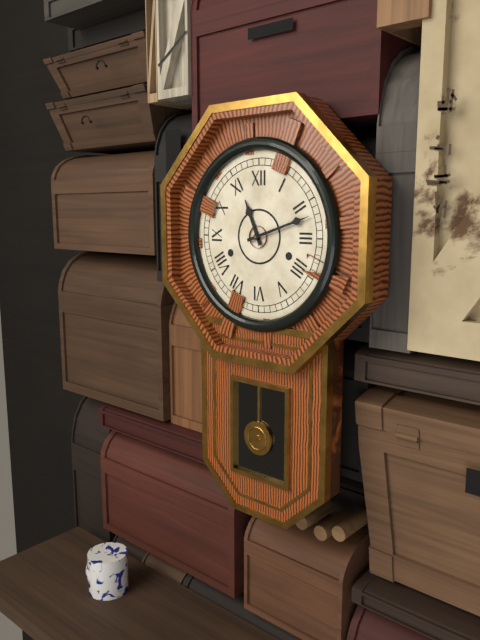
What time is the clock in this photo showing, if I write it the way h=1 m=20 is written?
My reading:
h=11 m=12
